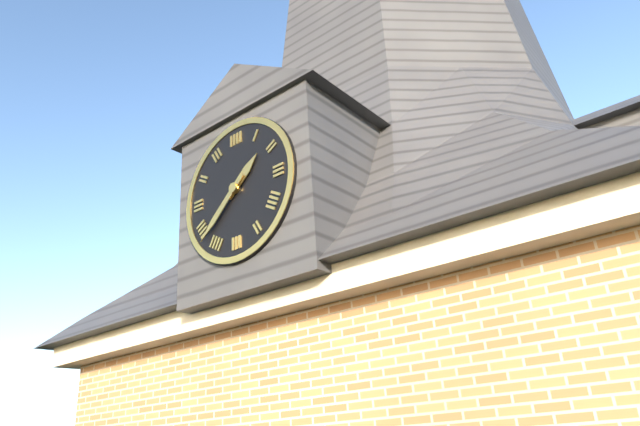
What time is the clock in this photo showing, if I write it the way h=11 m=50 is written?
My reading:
h=1 m=38
